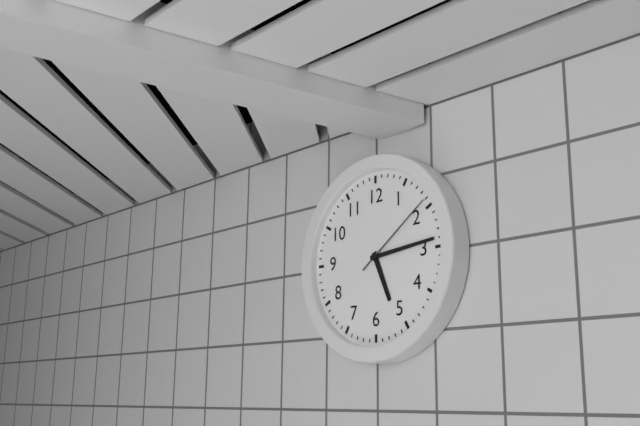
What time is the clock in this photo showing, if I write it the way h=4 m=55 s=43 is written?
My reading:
h=5 m=14 s=9
